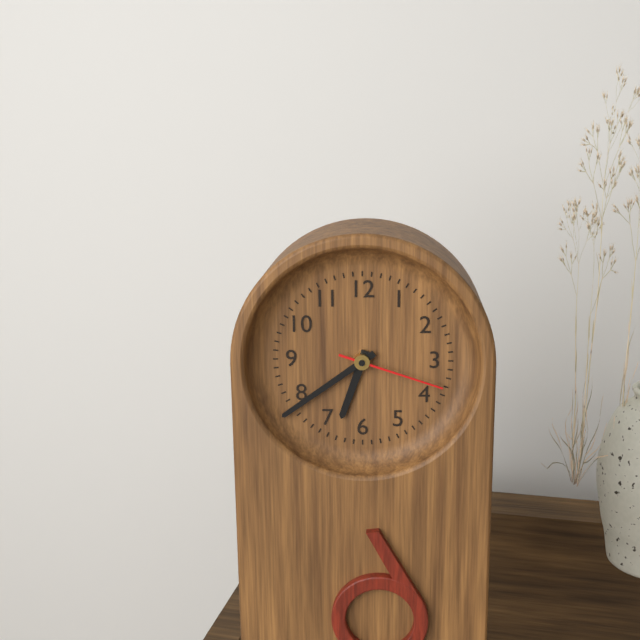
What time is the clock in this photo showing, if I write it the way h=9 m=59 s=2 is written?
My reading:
h=6 m=39 s=18
